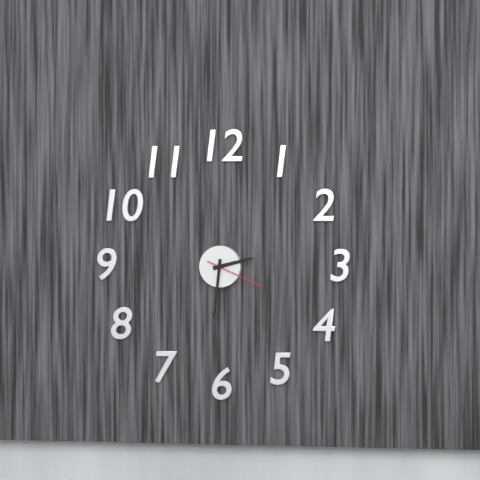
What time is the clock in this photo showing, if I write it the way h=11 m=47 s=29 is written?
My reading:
h=2 m=31 s=19
